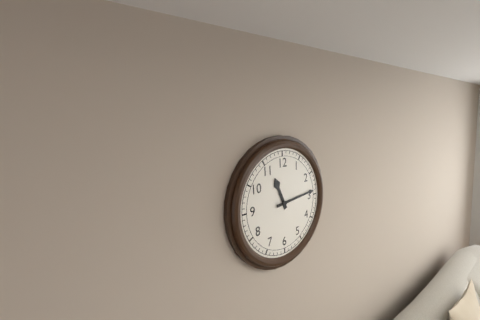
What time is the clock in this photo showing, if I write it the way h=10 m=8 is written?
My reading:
h=11 m=14
